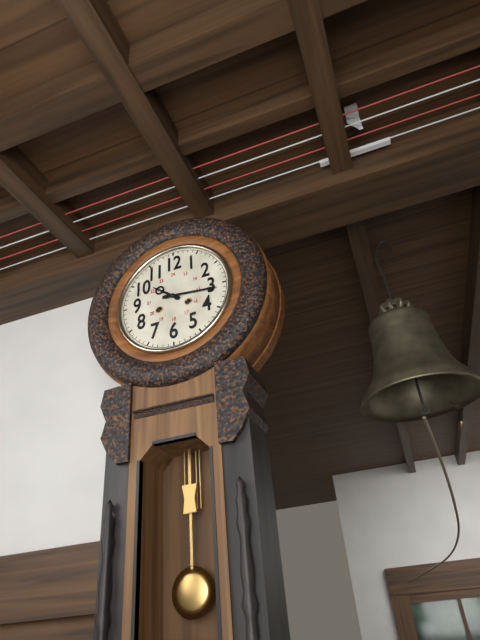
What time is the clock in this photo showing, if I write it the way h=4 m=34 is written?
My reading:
h=10 m=16
